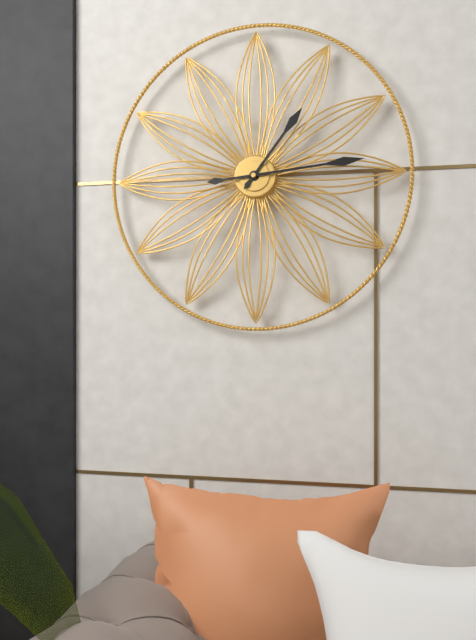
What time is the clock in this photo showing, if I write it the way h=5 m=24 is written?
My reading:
h=1 m=14
